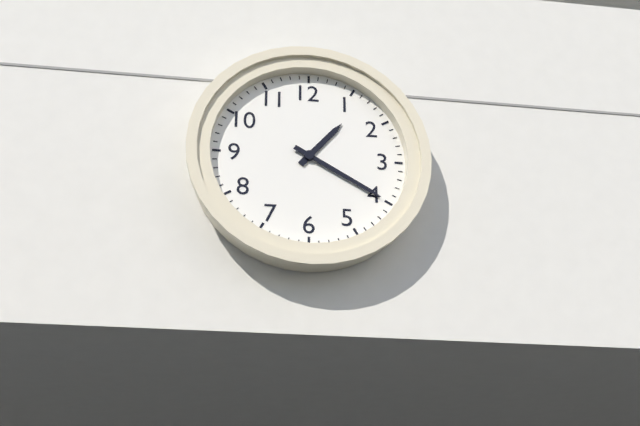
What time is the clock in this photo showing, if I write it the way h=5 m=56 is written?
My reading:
h=1 m=20
